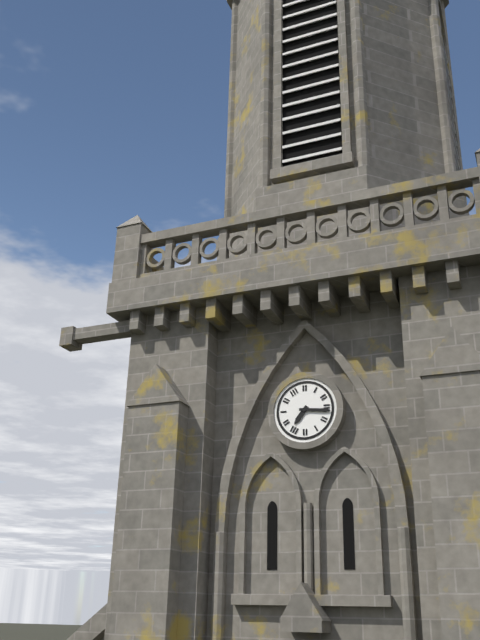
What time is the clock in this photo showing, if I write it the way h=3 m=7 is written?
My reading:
h=7 m=16
